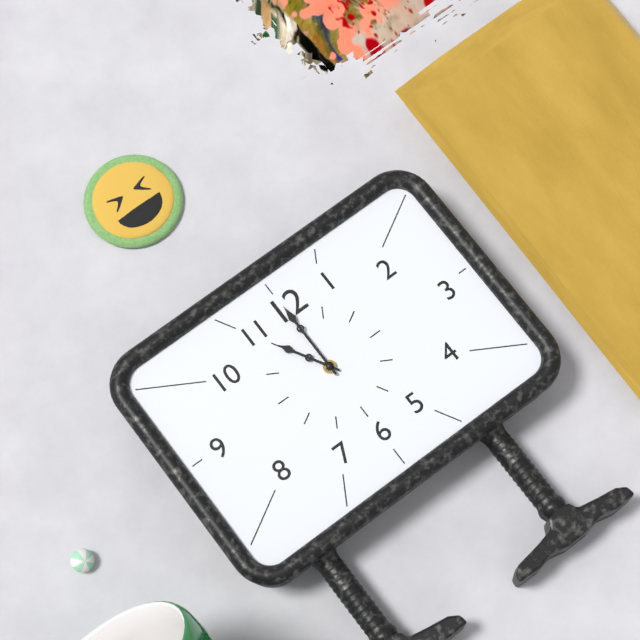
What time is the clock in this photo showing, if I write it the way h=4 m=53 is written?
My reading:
h=11 m=0
